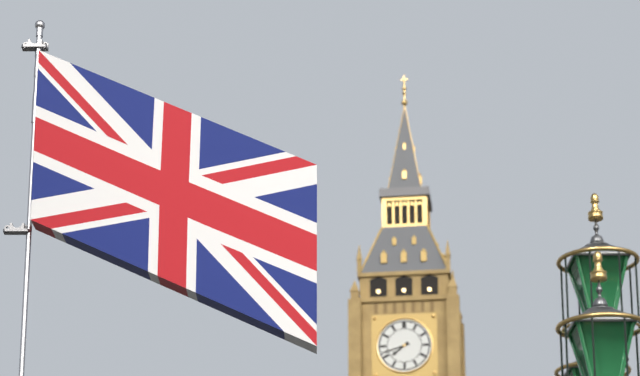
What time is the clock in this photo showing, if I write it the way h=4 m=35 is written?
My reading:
h=7 m=42
